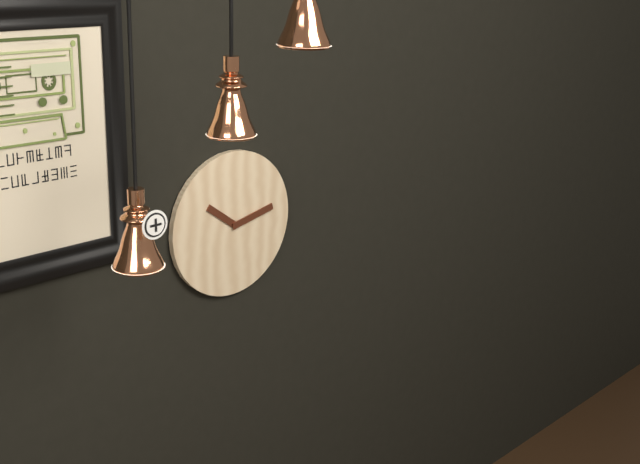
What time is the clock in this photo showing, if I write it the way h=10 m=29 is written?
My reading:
h=10 m=13
